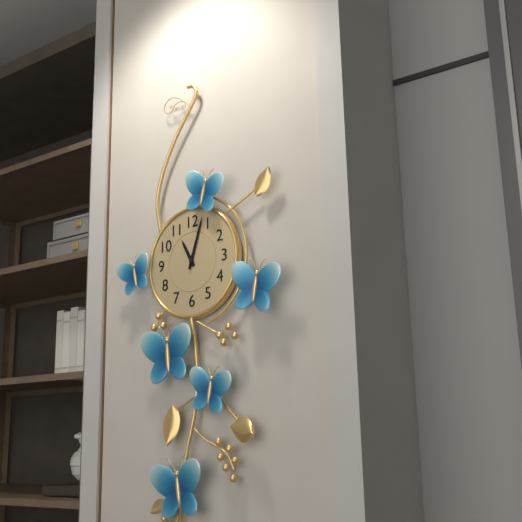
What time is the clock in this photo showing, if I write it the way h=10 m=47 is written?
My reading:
h=11 m=3
